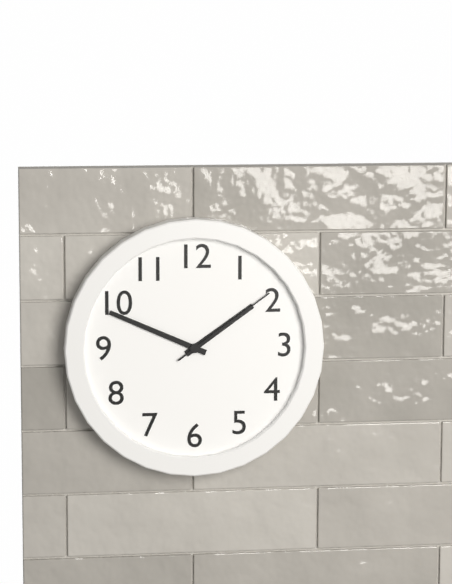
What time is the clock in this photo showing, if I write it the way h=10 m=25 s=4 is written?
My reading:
h=1 m=49 s=9
